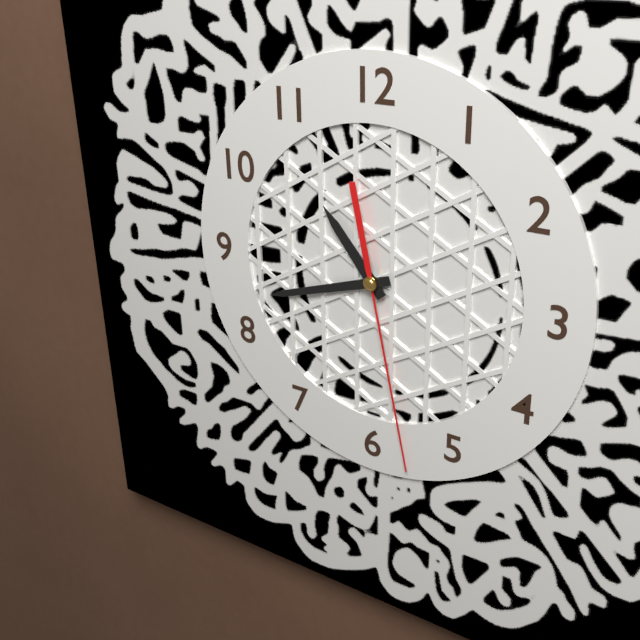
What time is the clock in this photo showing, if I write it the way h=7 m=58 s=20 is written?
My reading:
h=10 m=42 s=28
